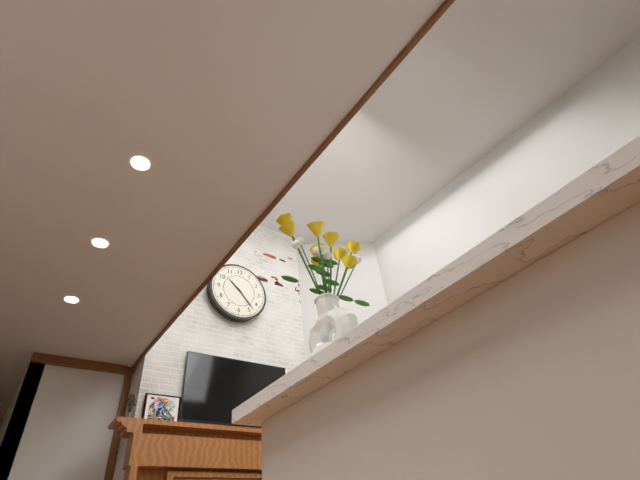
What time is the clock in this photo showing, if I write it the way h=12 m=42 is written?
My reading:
h=10 m=23
